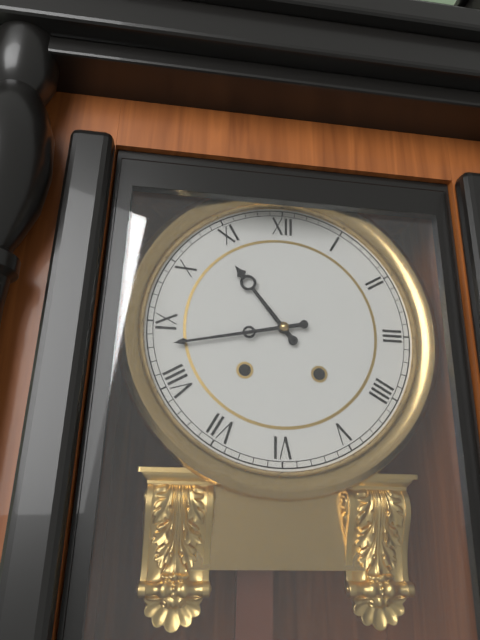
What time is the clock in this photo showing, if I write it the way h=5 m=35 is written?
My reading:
h=10 m=43
